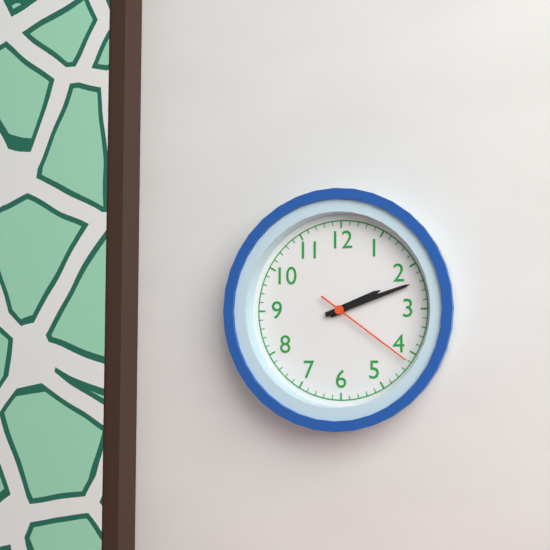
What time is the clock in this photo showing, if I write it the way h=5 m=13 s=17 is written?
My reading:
h=2 m=12 s=21
